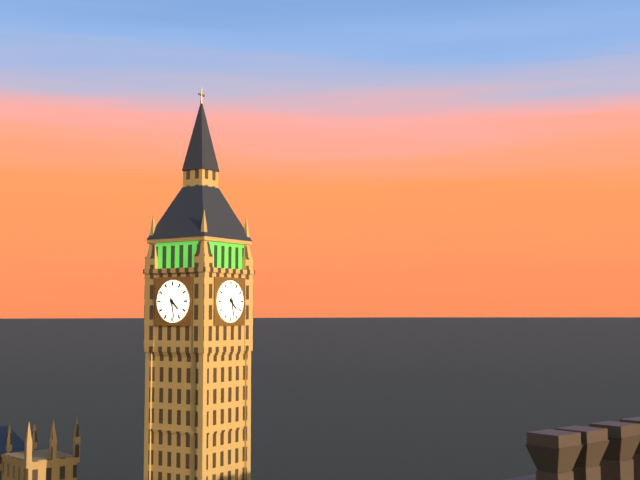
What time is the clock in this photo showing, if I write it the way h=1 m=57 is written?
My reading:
h=4 m=28
